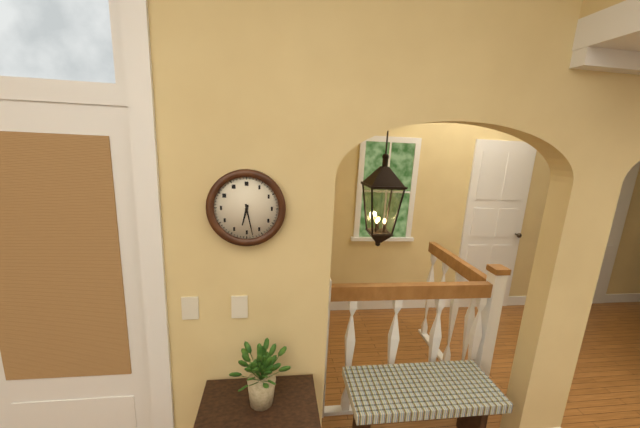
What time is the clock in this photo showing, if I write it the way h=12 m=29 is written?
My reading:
h=6 m=28
